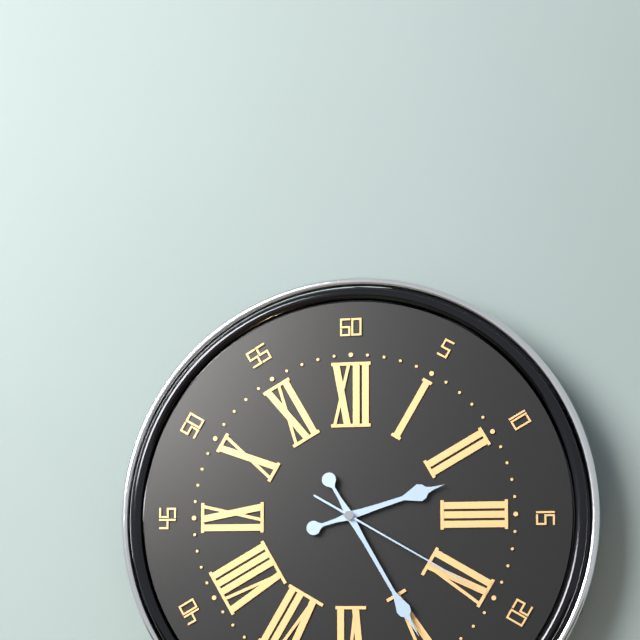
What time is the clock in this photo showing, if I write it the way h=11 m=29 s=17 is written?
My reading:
h=2 m=25 s=20
